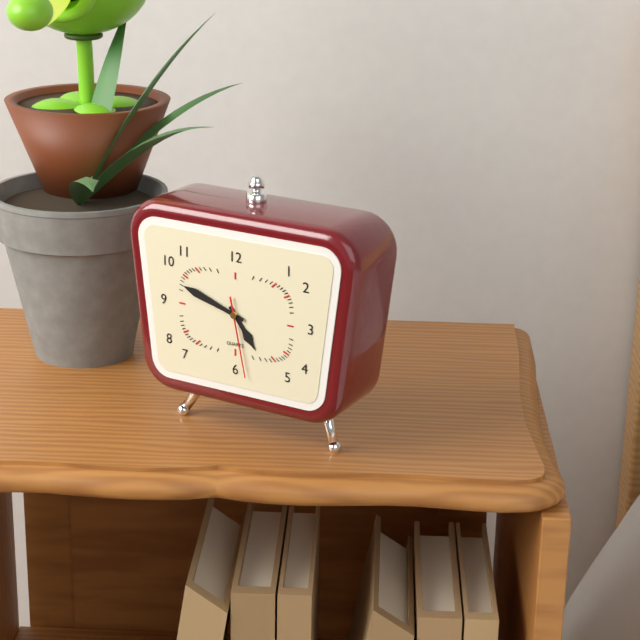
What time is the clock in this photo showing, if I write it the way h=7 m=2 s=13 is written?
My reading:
h=4 m=48 s=28
